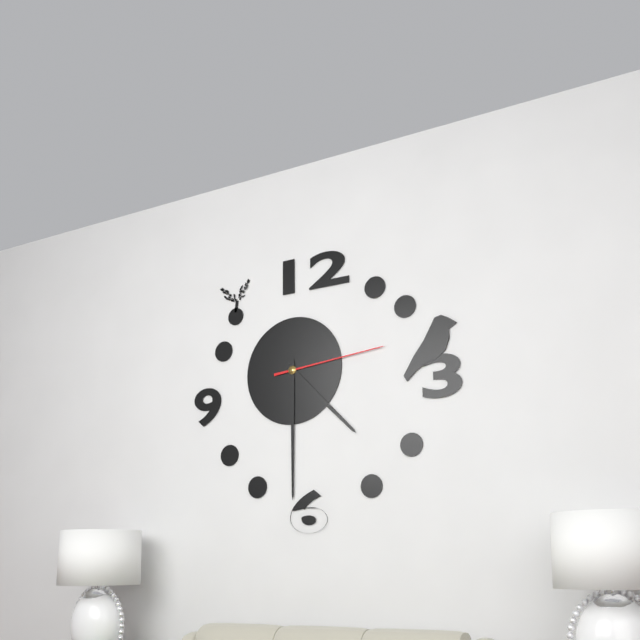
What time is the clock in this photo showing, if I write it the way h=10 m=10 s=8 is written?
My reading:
h=4 m=30 s=14
